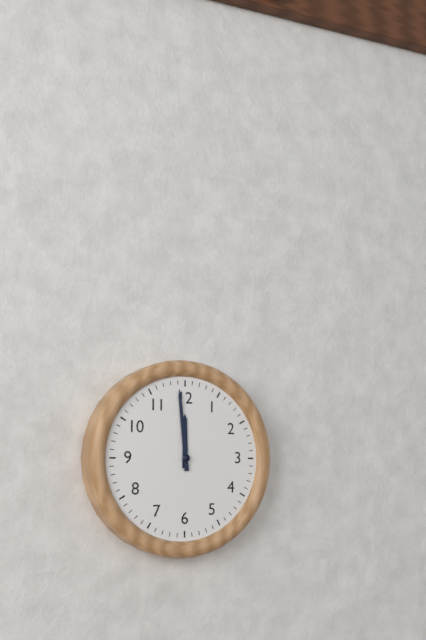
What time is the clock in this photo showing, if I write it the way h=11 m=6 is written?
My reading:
h=11 m=59
